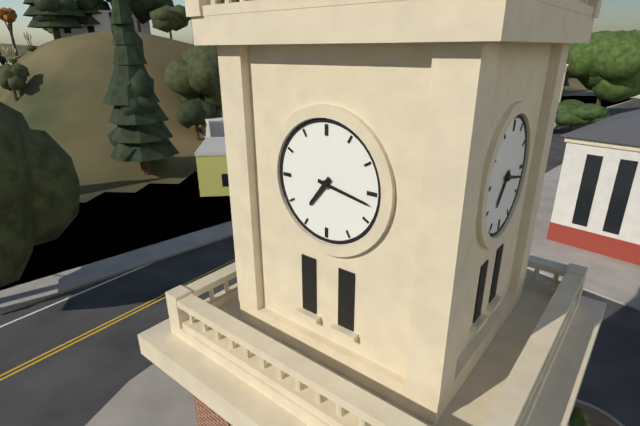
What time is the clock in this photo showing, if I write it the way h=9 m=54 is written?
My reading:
h=7 m=17
